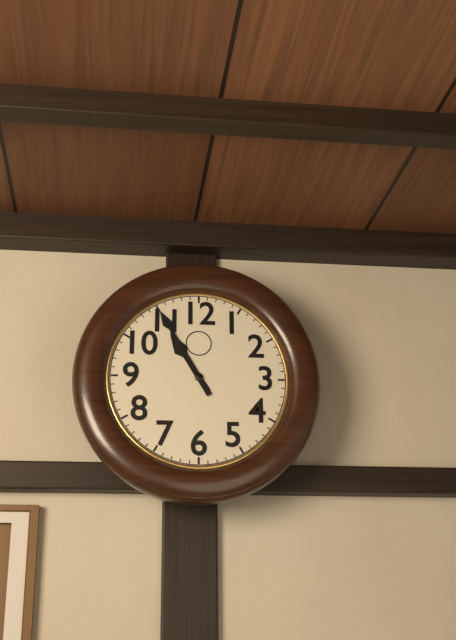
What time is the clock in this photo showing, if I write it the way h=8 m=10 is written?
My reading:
h=10 m=55
